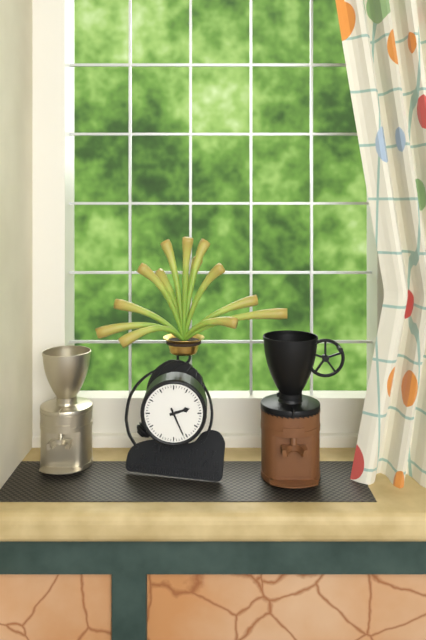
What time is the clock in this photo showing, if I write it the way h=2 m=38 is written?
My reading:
h=2 m=26
